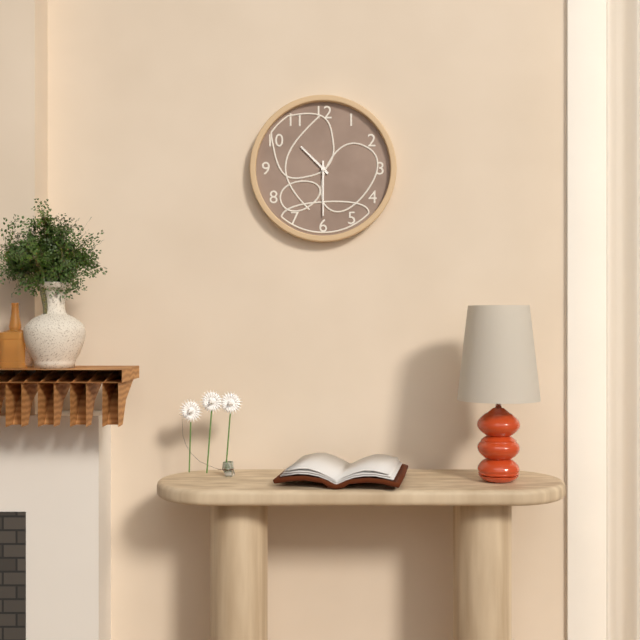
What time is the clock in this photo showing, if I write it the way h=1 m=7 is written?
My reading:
h=10 m=30
